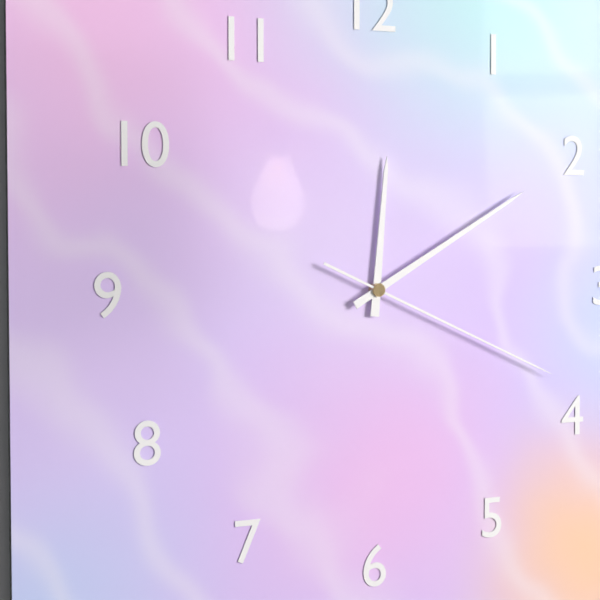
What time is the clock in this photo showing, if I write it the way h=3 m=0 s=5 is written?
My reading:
h=12 m=10 s=19
